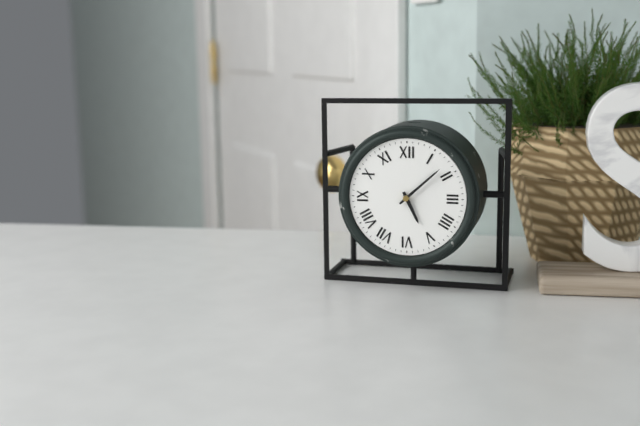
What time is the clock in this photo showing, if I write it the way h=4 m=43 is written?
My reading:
h=5 m=8
